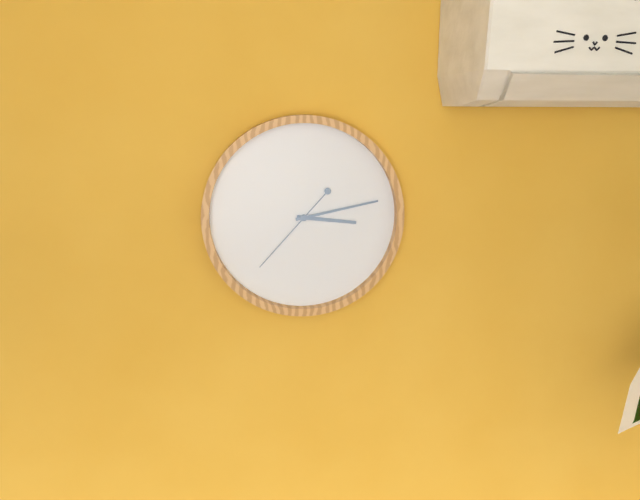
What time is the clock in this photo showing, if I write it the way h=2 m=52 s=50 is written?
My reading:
h=3 m=13 s=37
